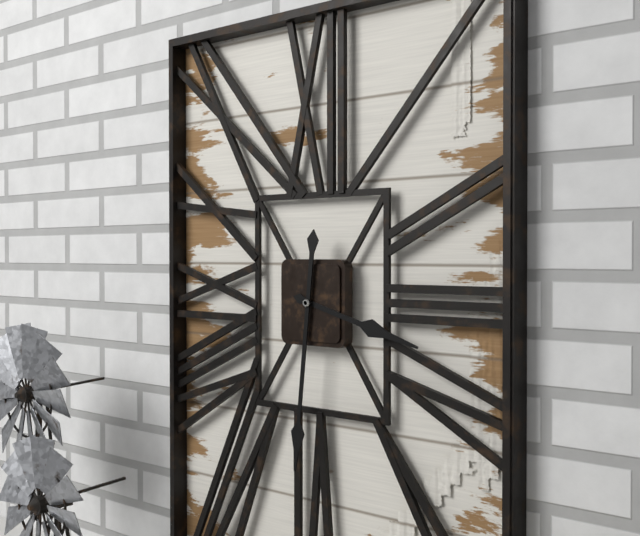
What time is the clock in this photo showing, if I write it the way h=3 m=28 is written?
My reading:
h=3 m=31
